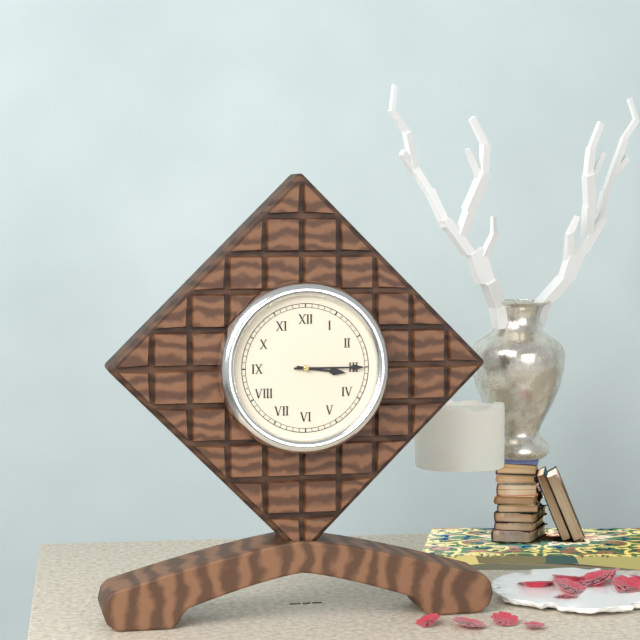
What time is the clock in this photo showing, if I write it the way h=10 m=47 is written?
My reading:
h=3 m=15
